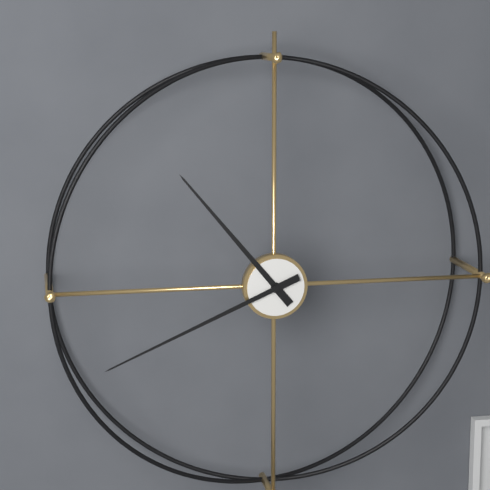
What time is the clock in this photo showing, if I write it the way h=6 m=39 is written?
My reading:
h=10 m=41
